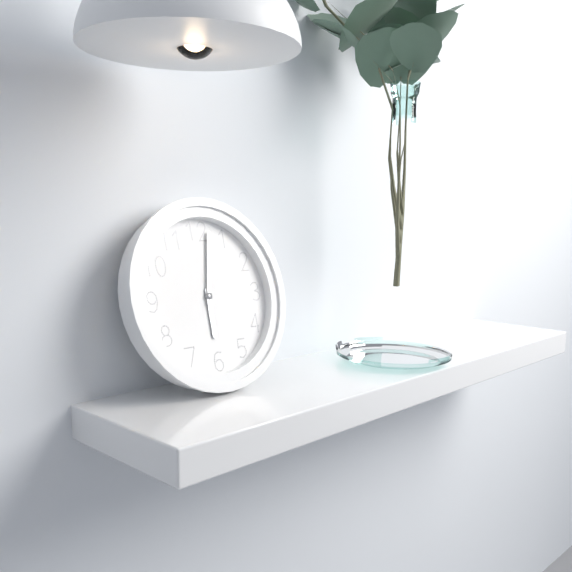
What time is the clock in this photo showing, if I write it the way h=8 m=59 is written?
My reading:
h=6 m=2
